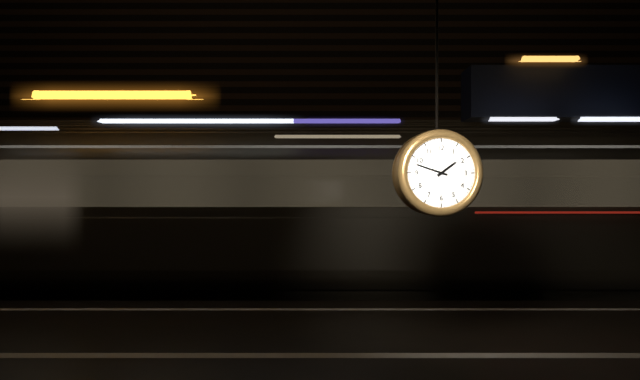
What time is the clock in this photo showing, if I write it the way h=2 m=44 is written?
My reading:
h=1 m=48
